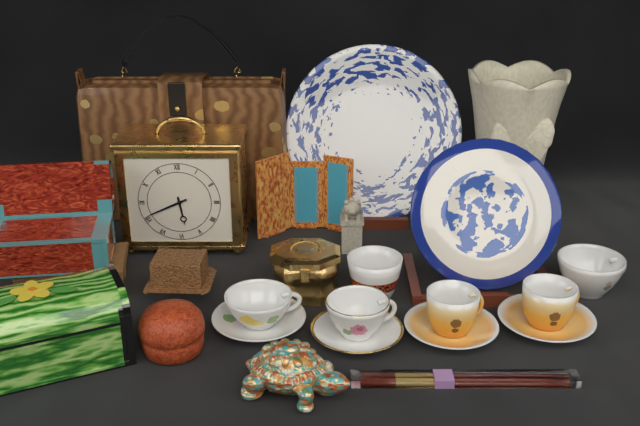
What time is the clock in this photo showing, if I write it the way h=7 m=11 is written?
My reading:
h=5 m=41
